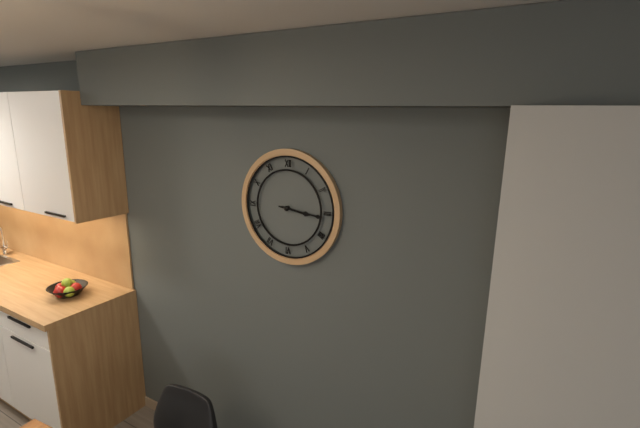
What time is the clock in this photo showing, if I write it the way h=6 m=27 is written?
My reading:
h=3 m=16
